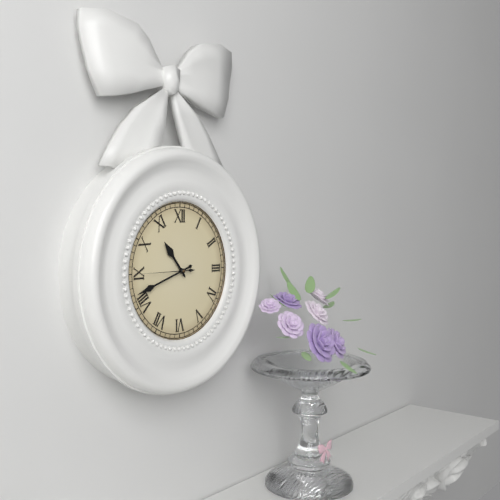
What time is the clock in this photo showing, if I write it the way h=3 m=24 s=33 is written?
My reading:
h=10 m=42 s=45
